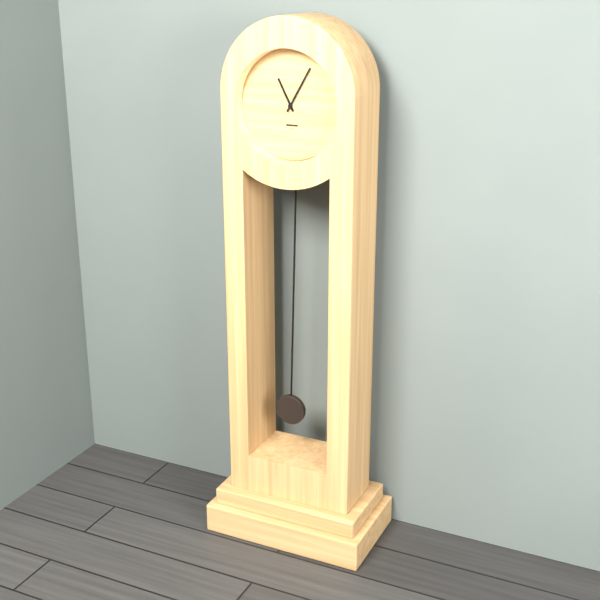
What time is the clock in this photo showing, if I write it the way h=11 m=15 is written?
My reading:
h=11 m=5
